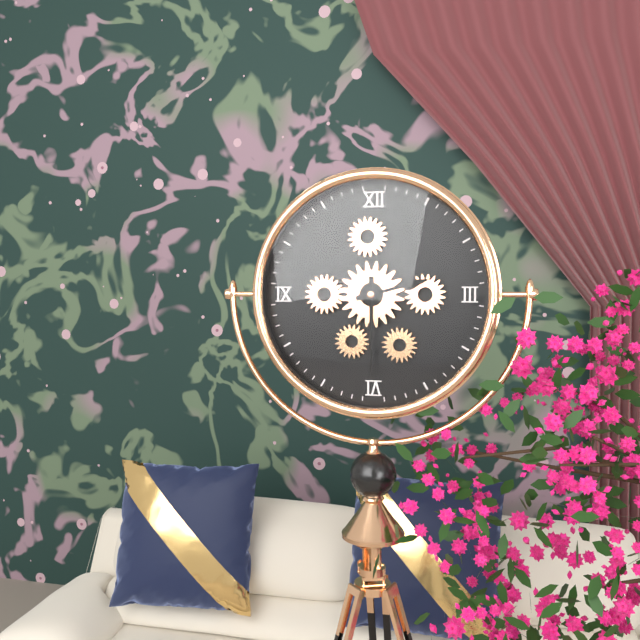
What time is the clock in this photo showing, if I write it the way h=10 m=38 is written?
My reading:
h=2 m=30
